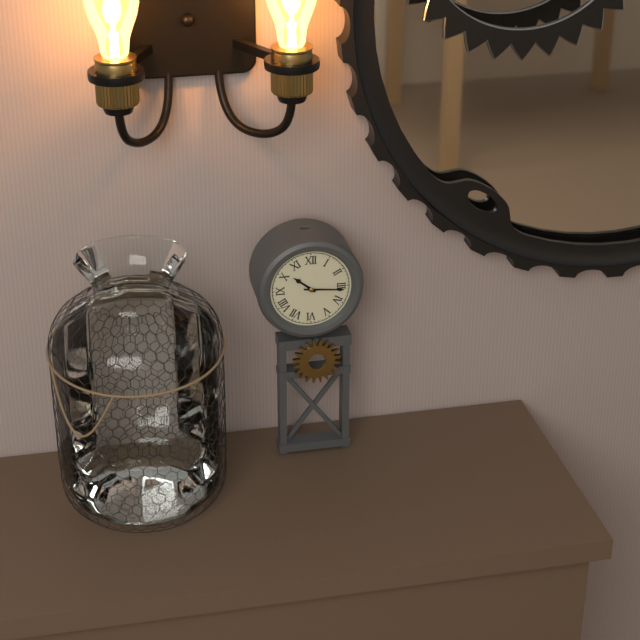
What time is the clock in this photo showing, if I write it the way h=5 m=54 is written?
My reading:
h=10 m=16
